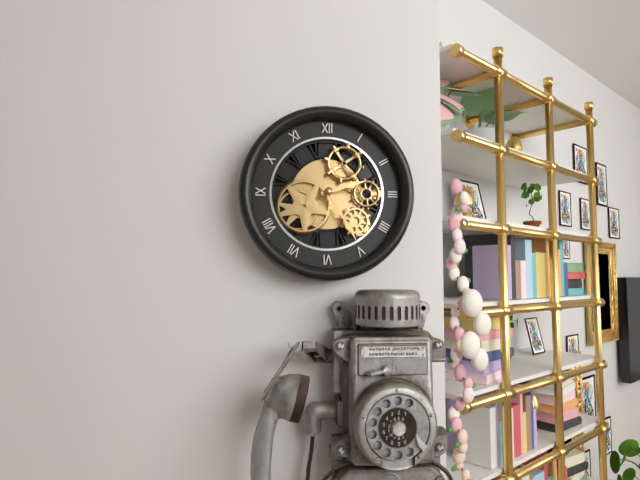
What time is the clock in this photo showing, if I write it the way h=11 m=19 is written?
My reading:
h=2 m=25
